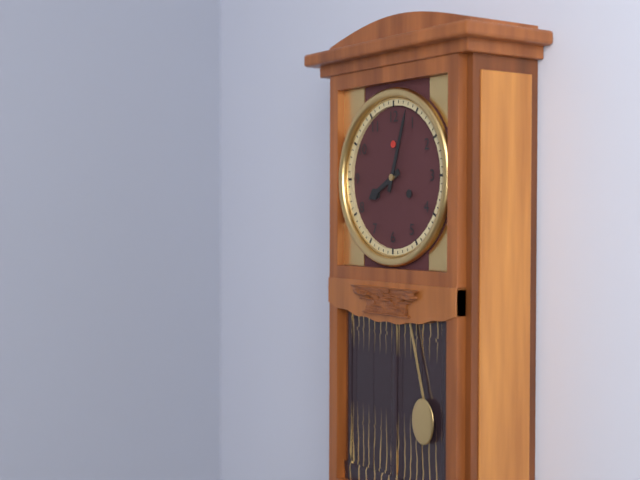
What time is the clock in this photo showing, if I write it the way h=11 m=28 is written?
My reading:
h=8 m=3
